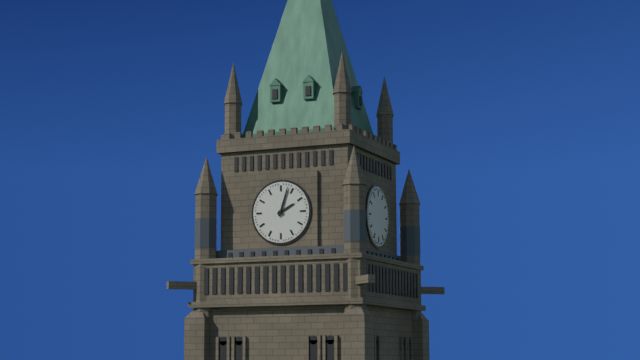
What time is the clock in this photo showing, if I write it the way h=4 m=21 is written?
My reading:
h=2 m=3
